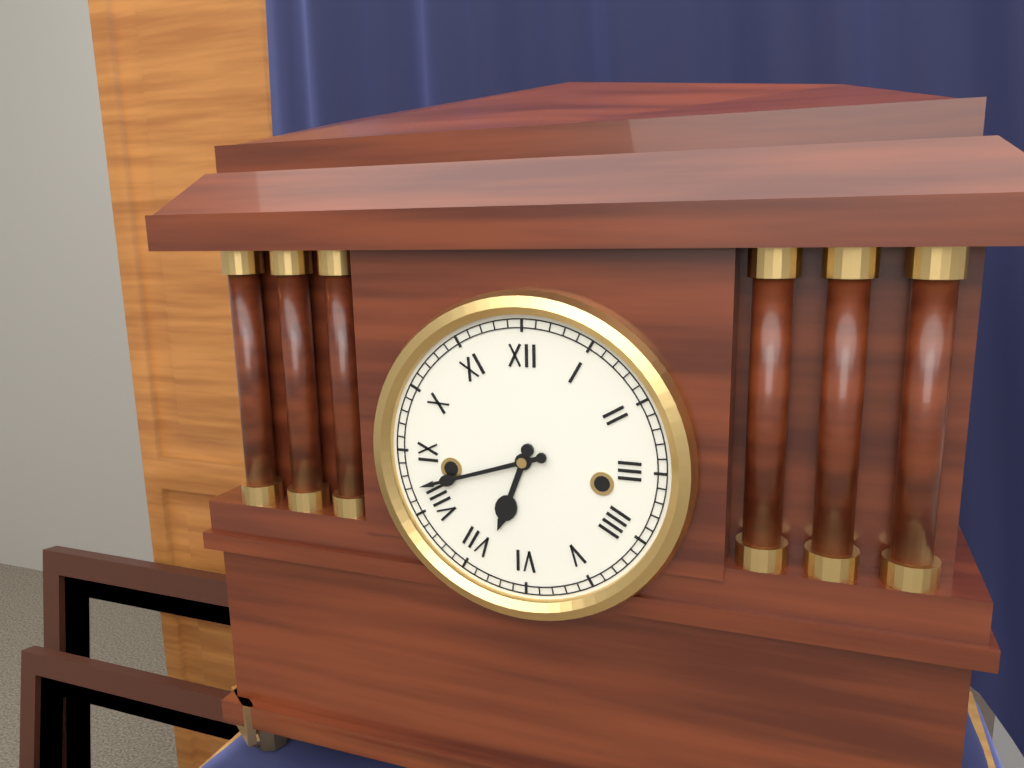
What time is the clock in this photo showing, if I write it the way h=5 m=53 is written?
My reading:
h=6 m=42
